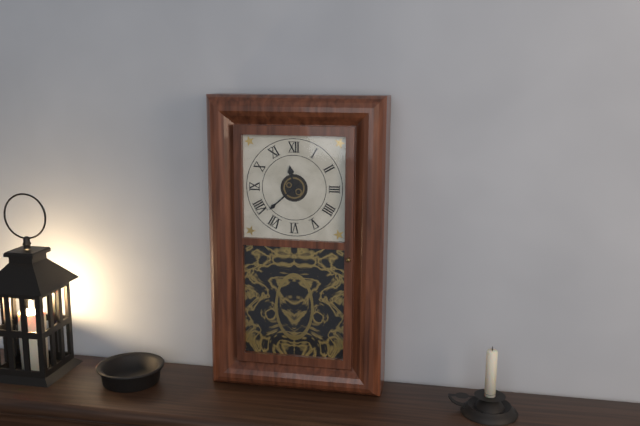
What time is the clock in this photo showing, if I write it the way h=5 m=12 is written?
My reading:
h=11 m=38
